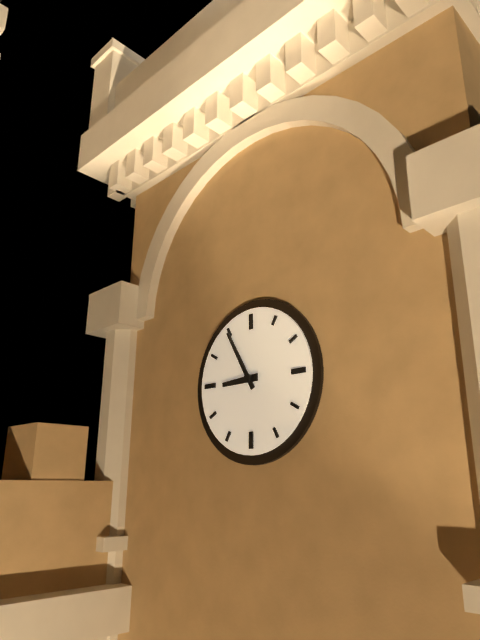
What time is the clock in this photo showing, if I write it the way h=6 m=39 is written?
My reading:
h=8 m=55
